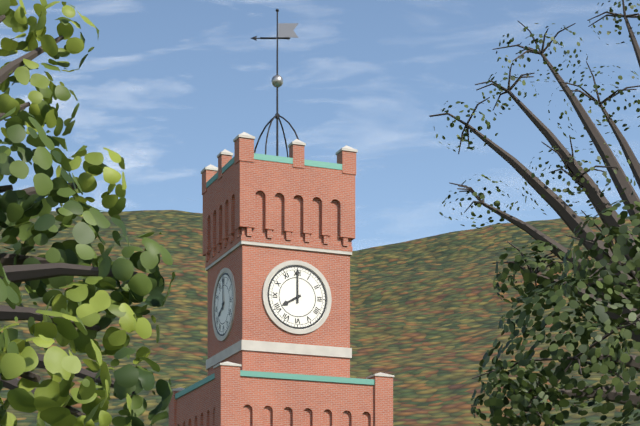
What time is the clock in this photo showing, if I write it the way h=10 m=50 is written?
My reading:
h=8 m=0
